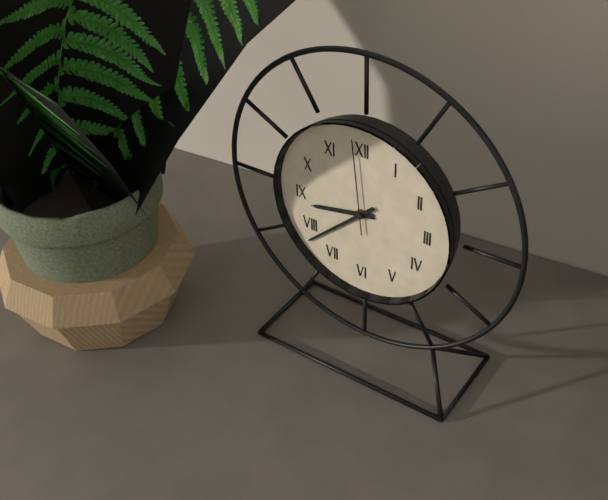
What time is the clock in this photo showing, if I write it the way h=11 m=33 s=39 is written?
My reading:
h=8 m=38 s=59
